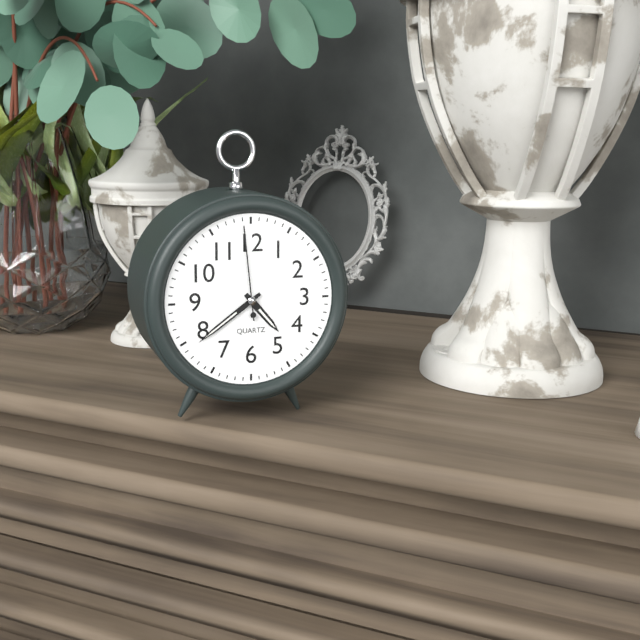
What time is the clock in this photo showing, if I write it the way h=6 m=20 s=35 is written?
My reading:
h=4 m=39 s=59
